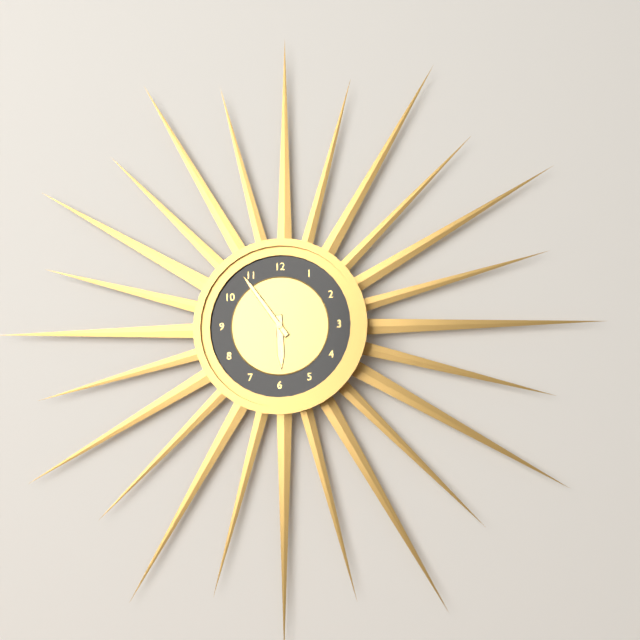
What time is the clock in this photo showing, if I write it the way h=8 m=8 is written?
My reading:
h=5 m=54
